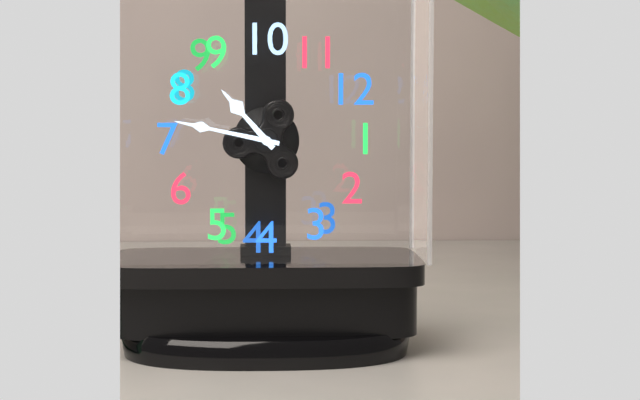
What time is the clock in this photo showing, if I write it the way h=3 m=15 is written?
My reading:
h=8 m=37
